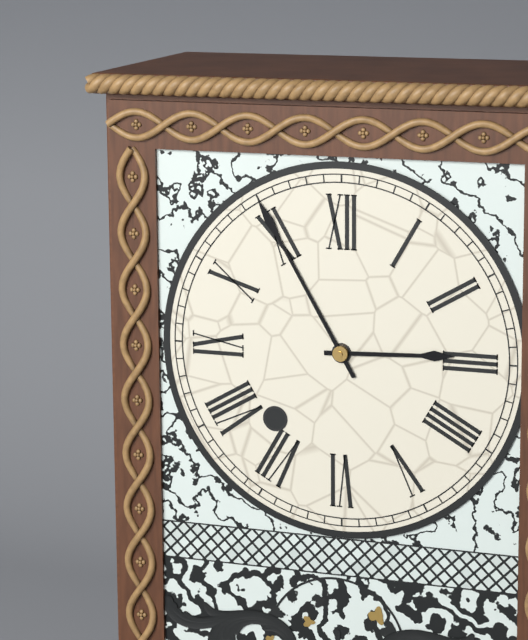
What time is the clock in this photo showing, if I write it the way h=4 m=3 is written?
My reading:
h=2 m=55
